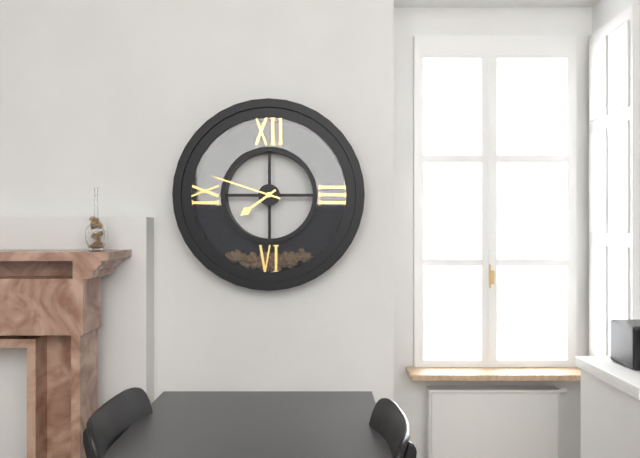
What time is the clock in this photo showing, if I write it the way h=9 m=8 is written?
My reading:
h=7 m=48
